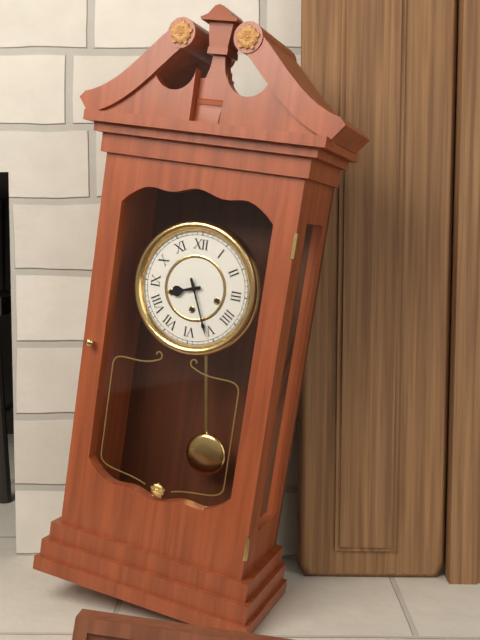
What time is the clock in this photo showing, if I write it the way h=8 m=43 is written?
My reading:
h=8 m=26
